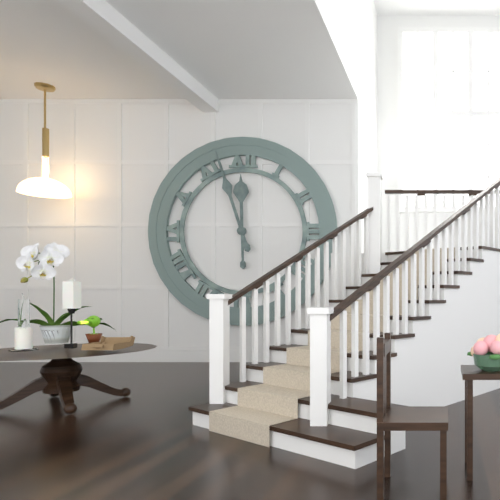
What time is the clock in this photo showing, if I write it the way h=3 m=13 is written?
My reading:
h=11 m=57
